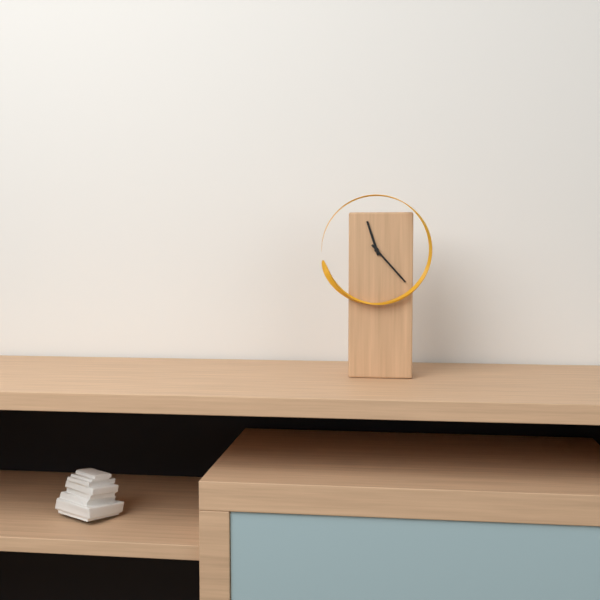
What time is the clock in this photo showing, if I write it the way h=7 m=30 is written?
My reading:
h=11 m=23
